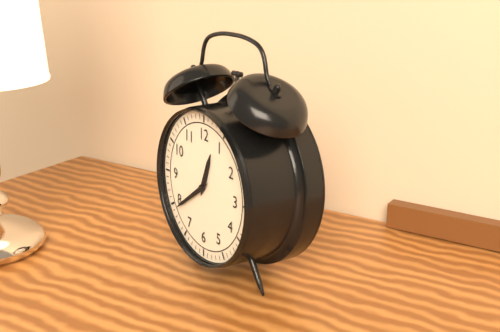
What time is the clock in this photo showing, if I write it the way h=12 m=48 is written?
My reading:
h=12 m=39
